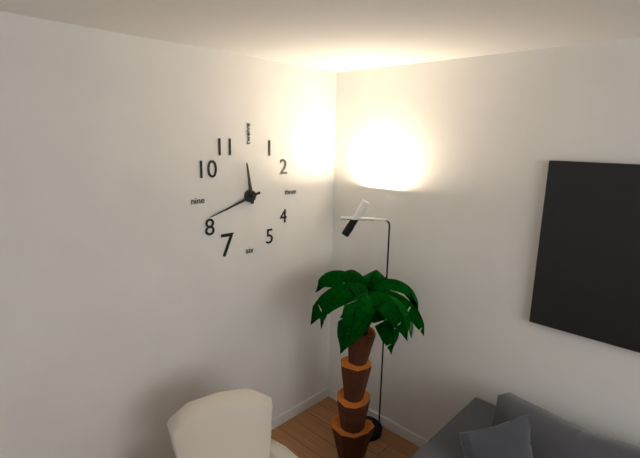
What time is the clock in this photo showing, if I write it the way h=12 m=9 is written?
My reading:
h=11 m=42
